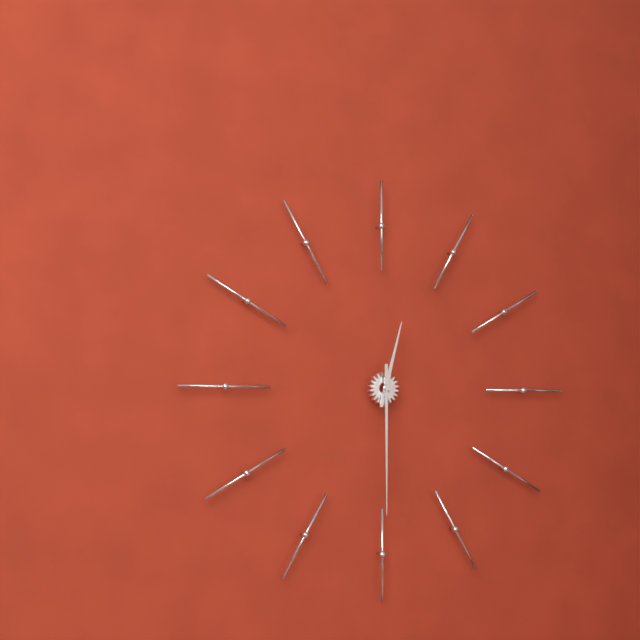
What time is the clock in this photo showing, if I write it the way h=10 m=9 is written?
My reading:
h=12 m=30
